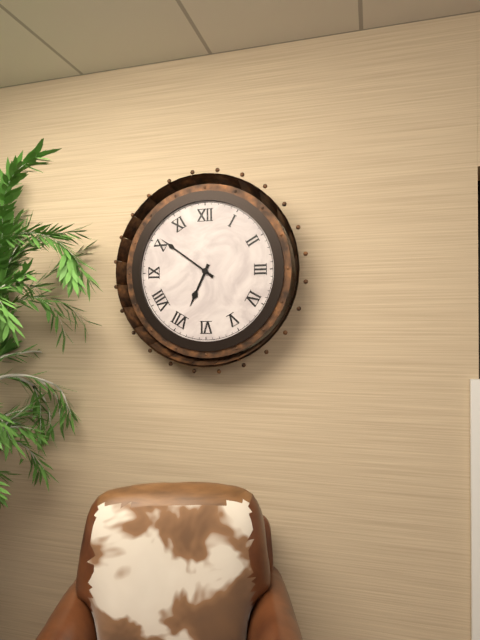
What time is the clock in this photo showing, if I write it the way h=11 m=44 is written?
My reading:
h=6 m=51
